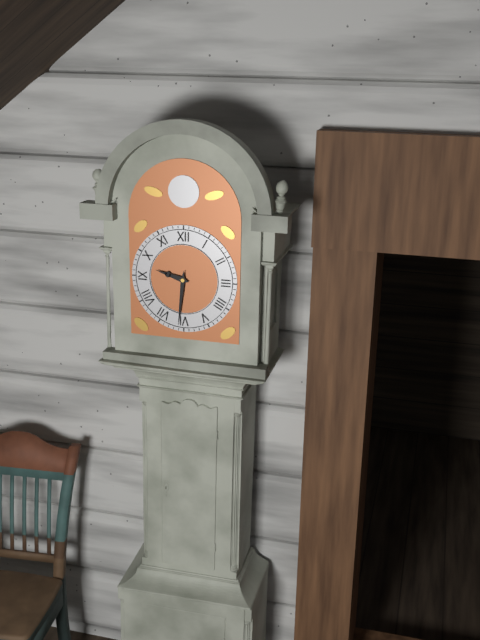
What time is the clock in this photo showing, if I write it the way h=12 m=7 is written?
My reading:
h=9 m=31
